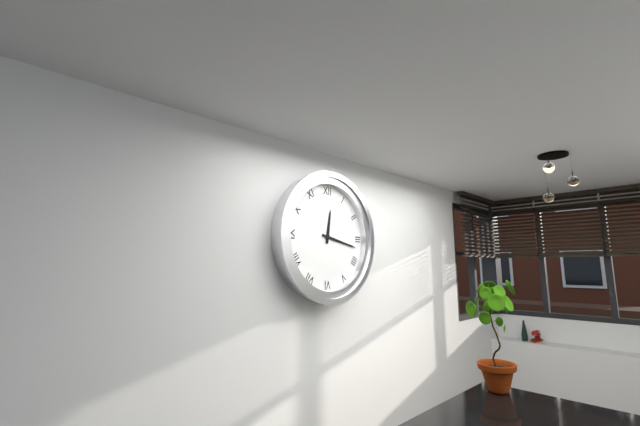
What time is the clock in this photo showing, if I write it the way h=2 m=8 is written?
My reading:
h=12 m=17
